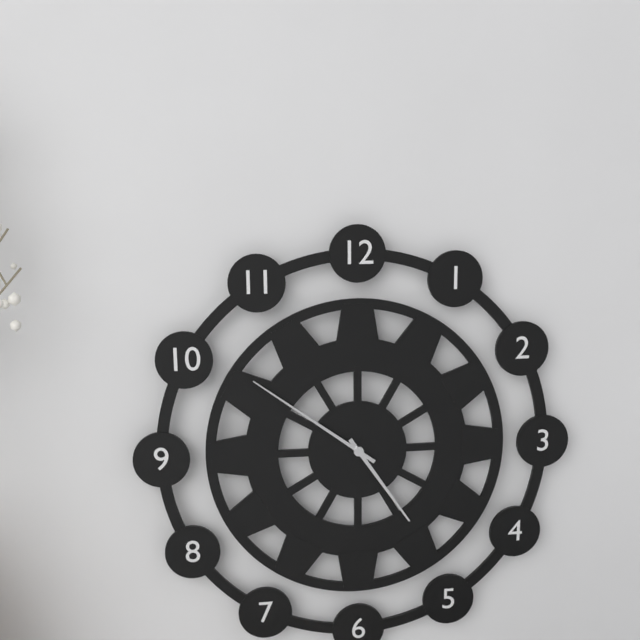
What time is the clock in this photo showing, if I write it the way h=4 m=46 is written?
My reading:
h=4 m=51
